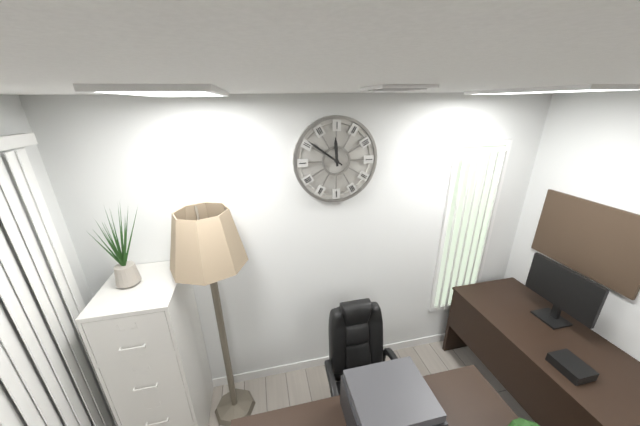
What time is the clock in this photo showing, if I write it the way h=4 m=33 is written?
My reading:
h=11 m=51
